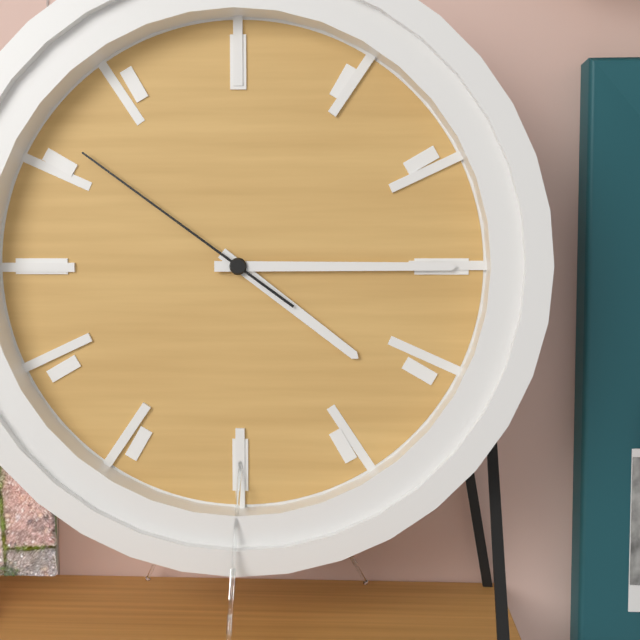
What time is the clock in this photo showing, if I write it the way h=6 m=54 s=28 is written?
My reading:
h=4 m=15 s=51
